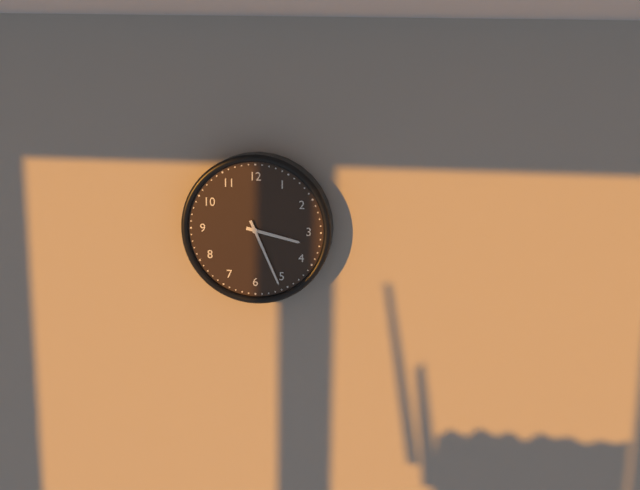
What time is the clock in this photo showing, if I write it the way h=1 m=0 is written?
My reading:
h=3 m=26
